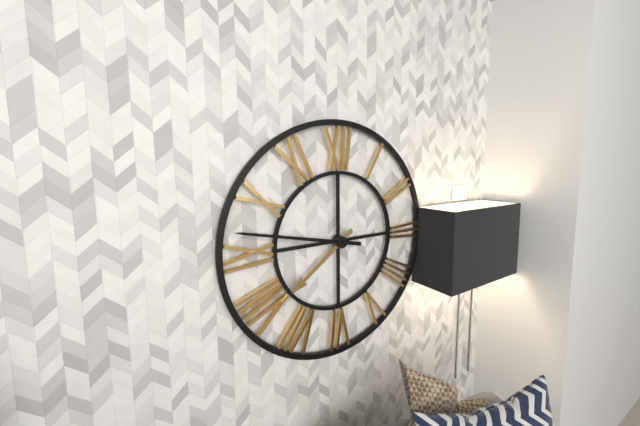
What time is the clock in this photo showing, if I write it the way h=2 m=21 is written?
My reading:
h=7 m=47
